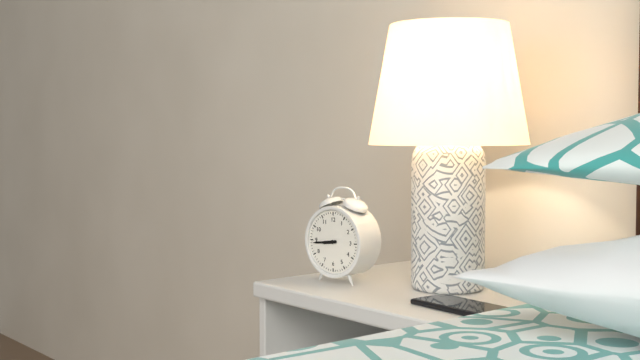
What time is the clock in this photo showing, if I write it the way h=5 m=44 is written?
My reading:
h=8 m=44
